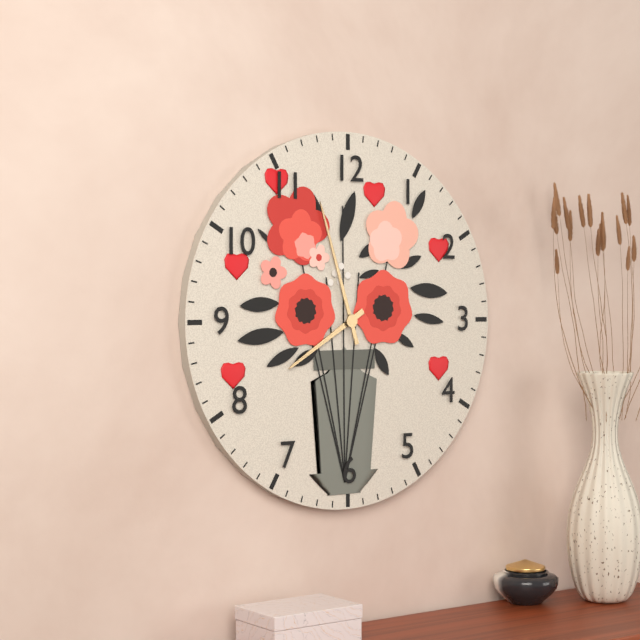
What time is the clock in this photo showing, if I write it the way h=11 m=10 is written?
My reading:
h=7 m=57
